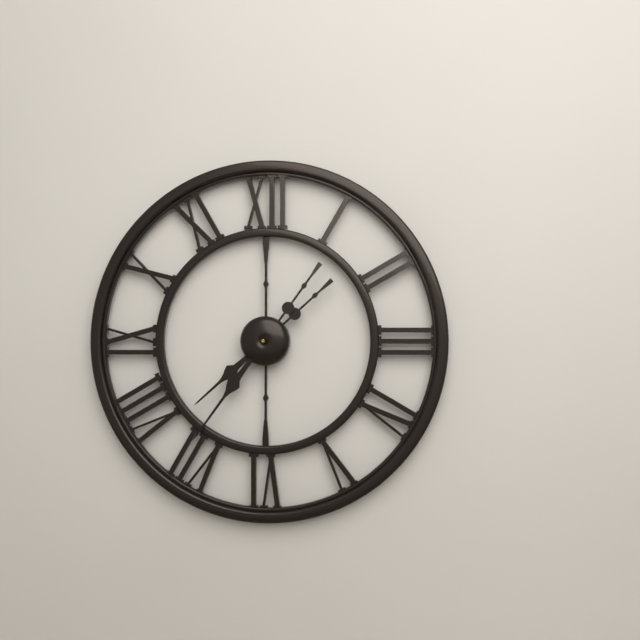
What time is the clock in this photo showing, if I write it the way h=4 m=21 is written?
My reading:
h=7 m=36
